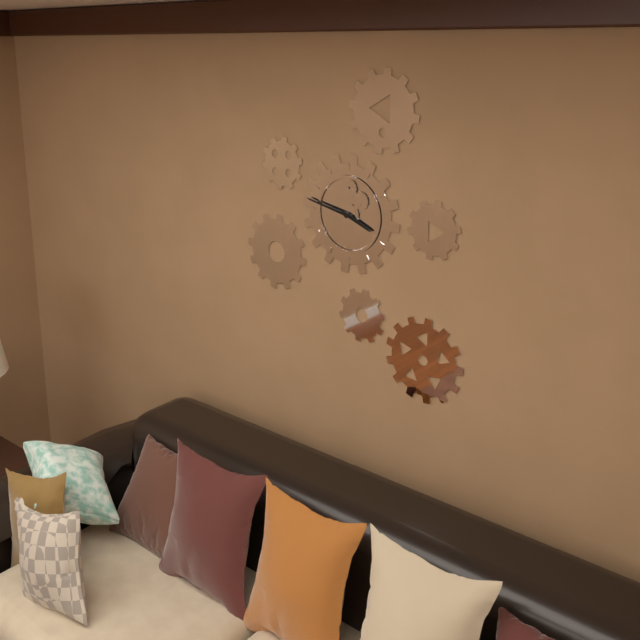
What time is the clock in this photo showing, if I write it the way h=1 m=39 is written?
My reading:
h=3 m=47
